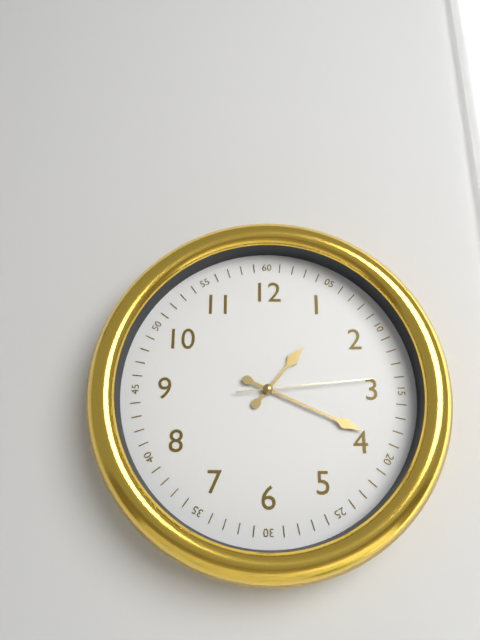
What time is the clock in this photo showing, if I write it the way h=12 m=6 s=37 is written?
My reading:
h=1 m=19 s=14
